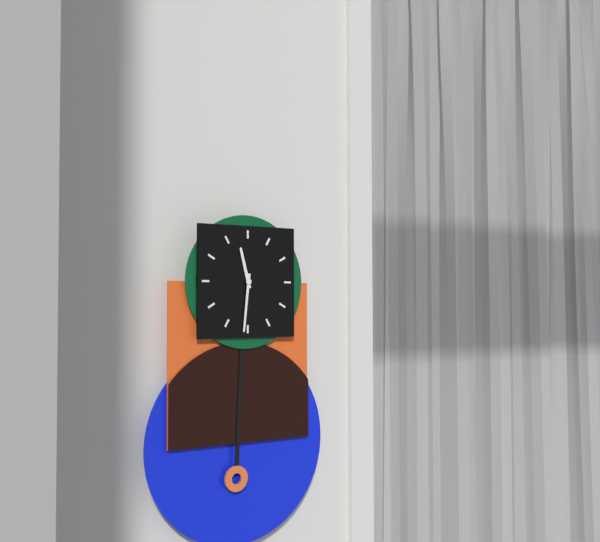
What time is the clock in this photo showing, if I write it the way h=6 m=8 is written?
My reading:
h=11 m=31
